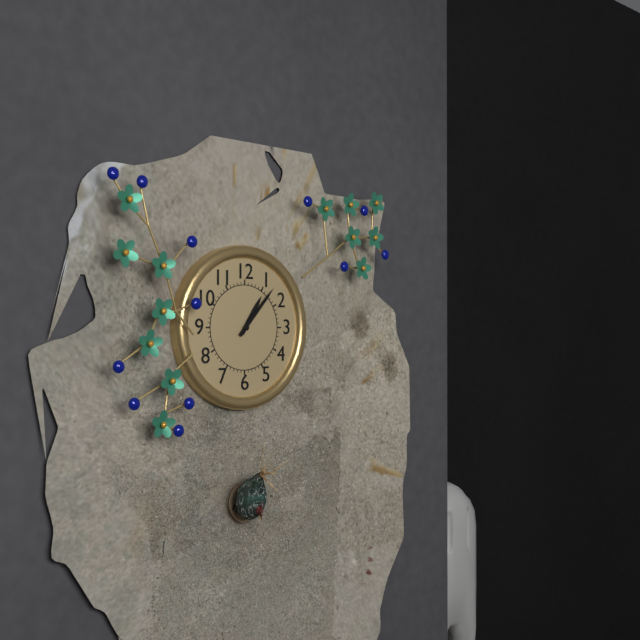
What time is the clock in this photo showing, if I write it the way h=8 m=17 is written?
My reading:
h=1 m=7
